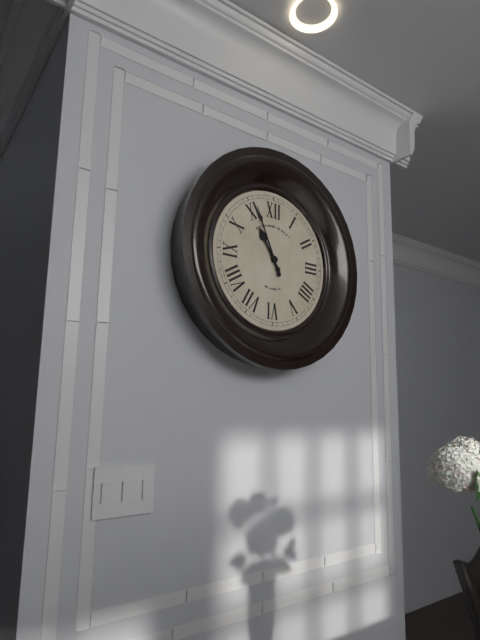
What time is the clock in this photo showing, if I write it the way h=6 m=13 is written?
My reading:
h=10 m=56
